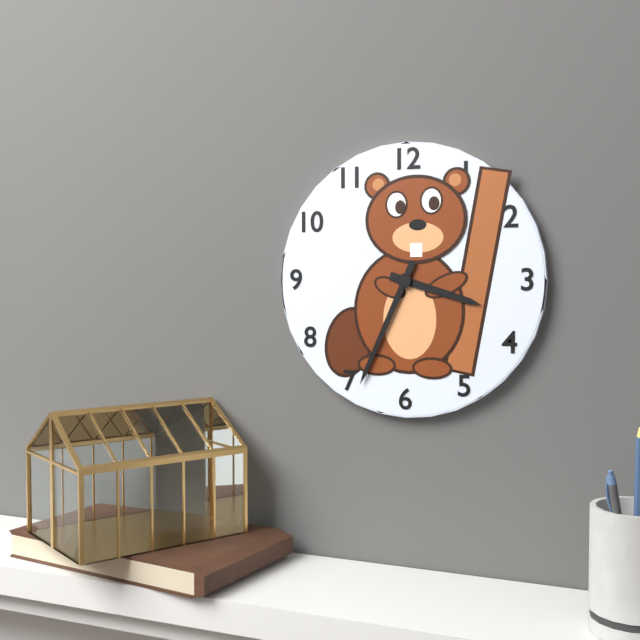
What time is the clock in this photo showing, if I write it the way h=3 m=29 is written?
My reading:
h=3 m=34
